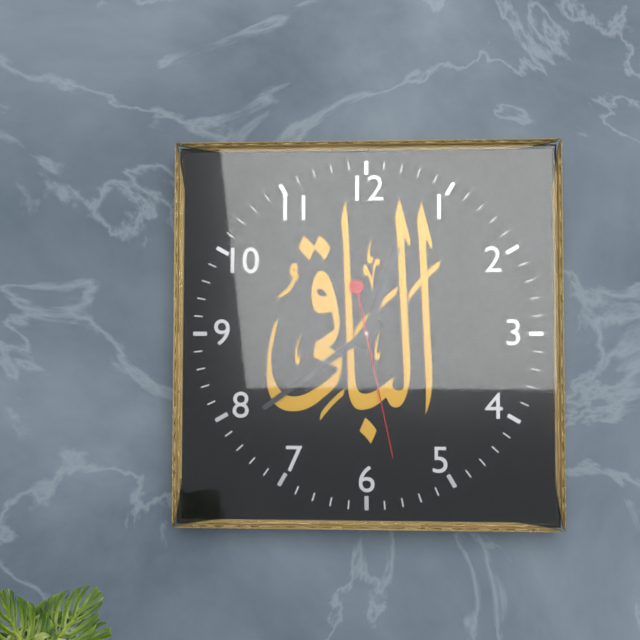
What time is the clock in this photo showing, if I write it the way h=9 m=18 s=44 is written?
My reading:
h=12 m=39 s=28
